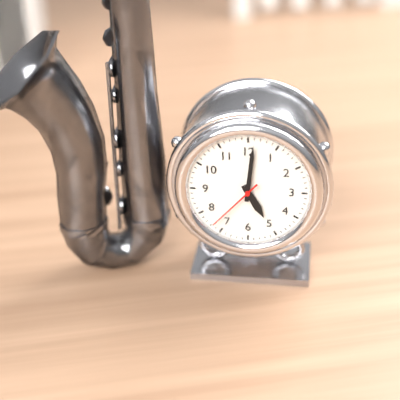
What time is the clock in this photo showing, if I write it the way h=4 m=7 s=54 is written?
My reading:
h=5 m=1 s=37
